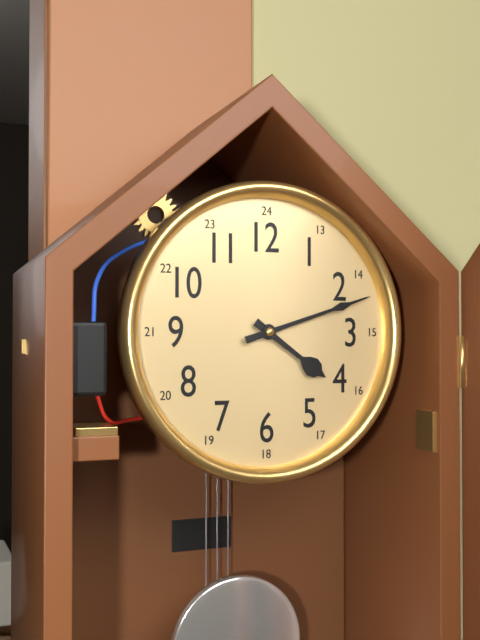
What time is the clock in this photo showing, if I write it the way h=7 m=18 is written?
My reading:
h=4 m=12
